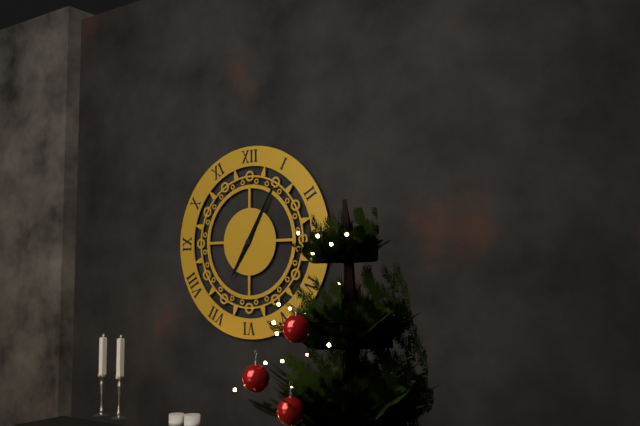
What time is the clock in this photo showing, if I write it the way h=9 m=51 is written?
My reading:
h=7 m=5
